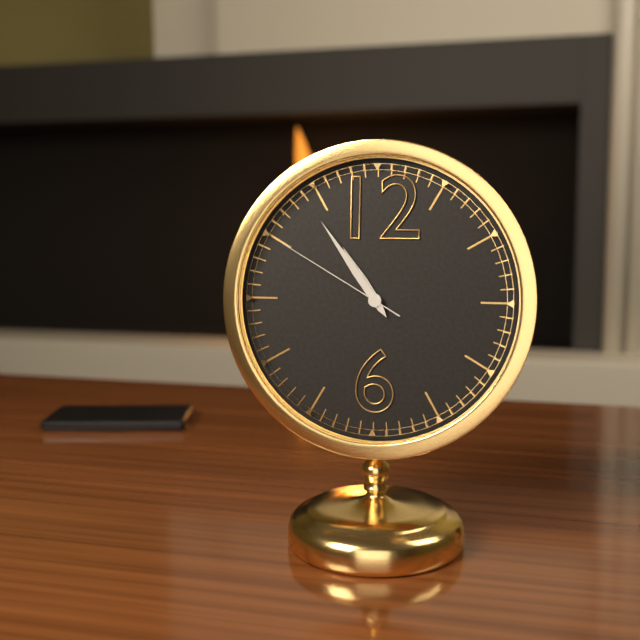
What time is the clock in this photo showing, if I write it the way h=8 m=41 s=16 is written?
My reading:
h=10 m=54 s=50
